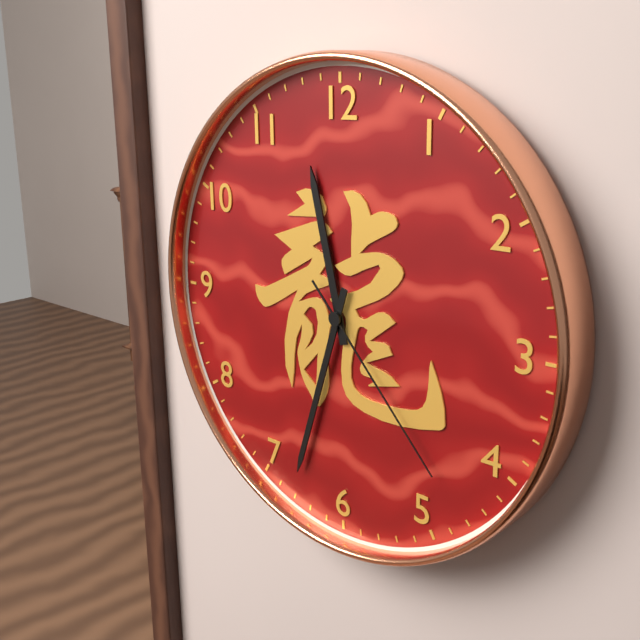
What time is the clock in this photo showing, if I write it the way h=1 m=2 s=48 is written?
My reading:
h=11 m=33 s=23
